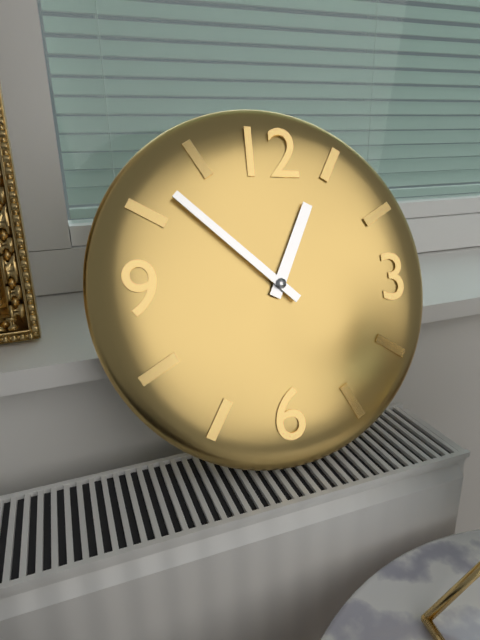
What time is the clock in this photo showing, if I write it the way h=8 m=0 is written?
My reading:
h=12 m=52
